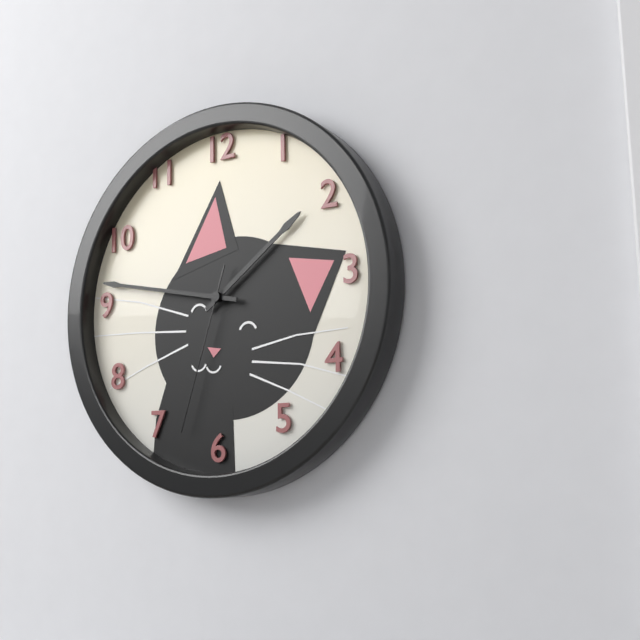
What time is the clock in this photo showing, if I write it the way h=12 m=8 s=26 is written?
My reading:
h=1 m=47 s=33
